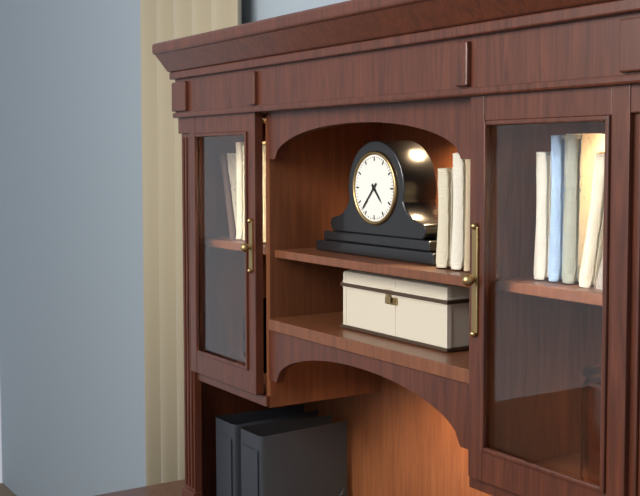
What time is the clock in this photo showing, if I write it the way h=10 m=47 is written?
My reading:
h=4 m=37
